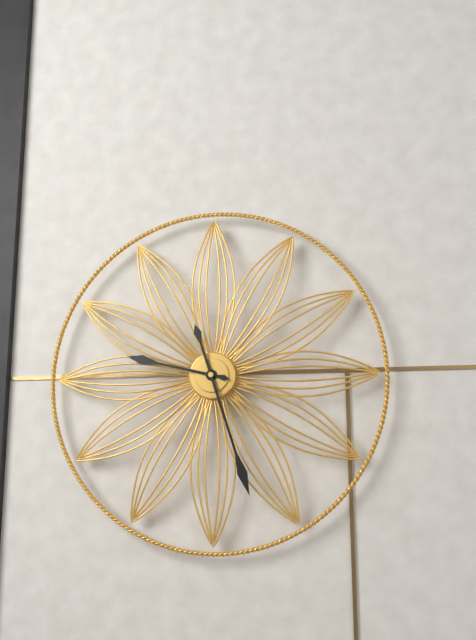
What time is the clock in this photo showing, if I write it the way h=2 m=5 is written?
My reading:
h=9 m=27
